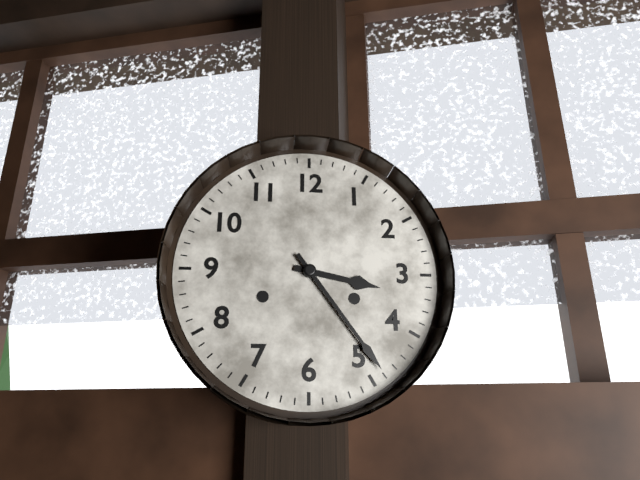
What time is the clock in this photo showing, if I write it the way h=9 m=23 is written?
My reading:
h=3 m=24
